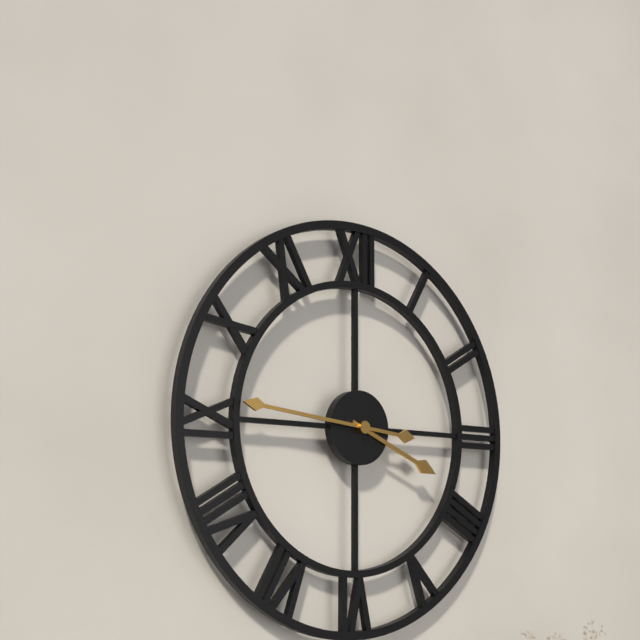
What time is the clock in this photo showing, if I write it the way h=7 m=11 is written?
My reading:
h=3 m=46
